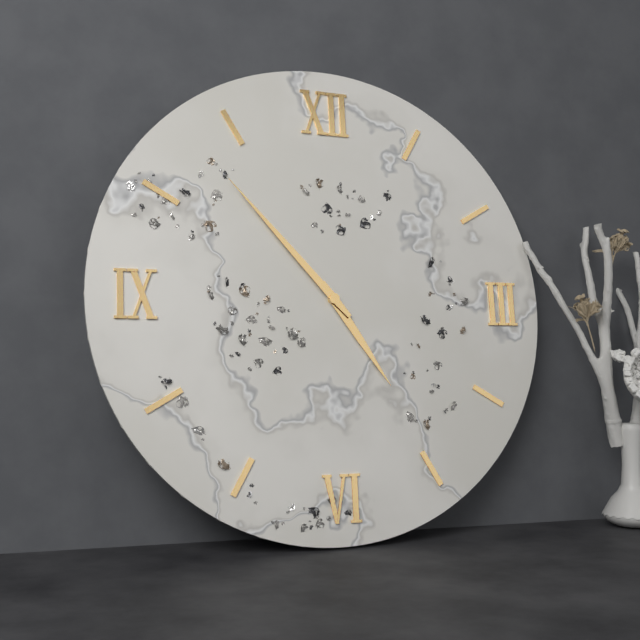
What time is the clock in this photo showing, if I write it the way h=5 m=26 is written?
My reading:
h=4 m=53
